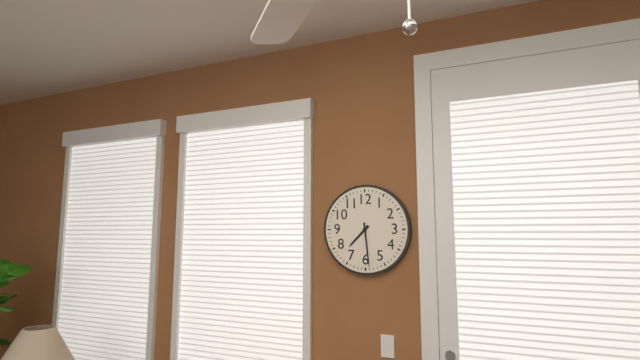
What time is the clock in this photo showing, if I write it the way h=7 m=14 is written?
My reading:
h=7 m=29
